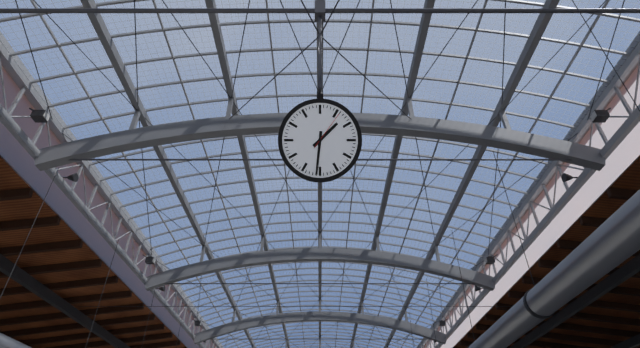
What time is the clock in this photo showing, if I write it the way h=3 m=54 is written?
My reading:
h=1 m=31
